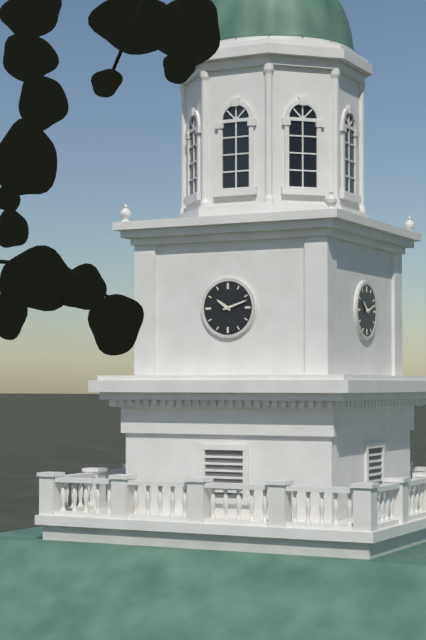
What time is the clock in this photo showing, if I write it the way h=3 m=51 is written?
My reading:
h=10 m=12
